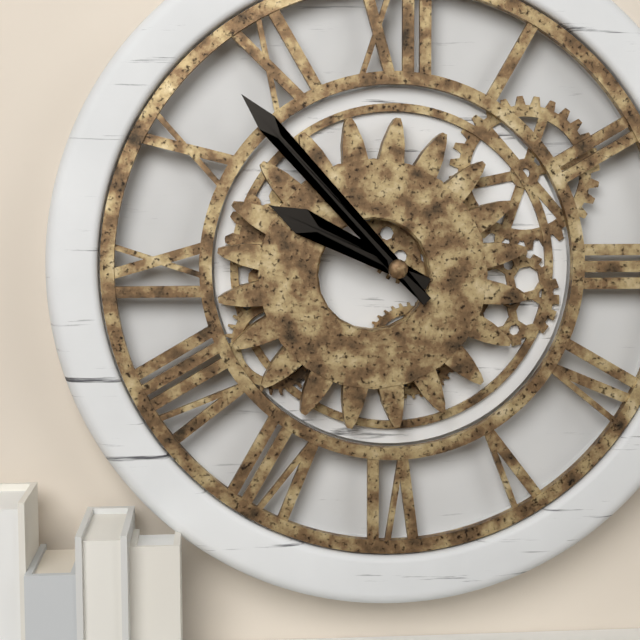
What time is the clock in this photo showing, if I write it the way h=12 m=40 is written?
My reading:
h=9 m=53
